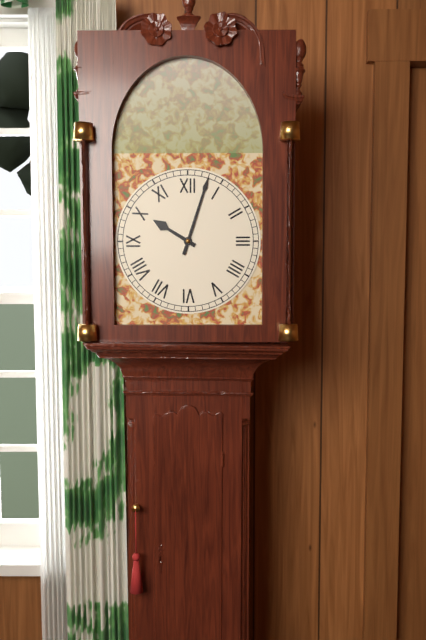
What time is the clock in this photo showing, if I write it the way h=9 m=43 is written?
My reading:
h=10 m=3
